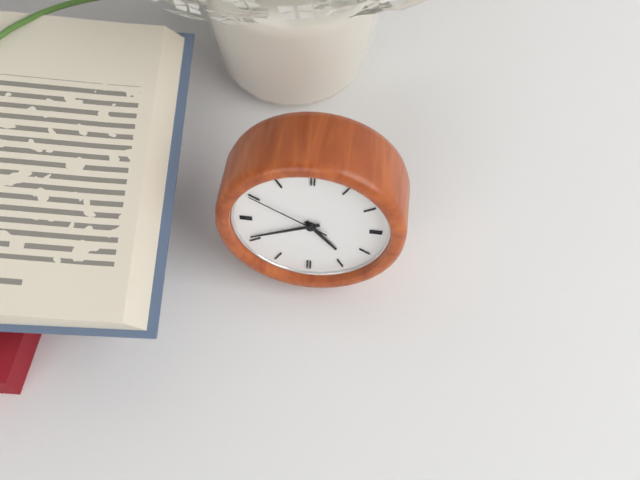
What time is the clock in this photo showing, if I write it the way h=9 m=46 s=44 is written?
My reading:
h=4 m=41 s=50
